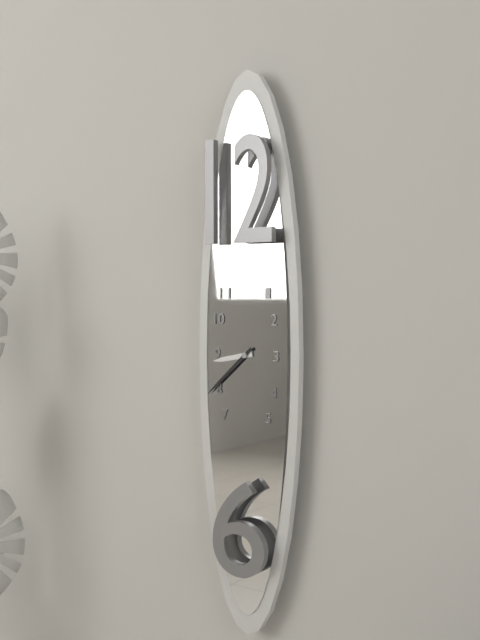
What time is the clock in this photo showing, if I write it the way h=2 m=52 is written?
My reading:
h=8 m=38
